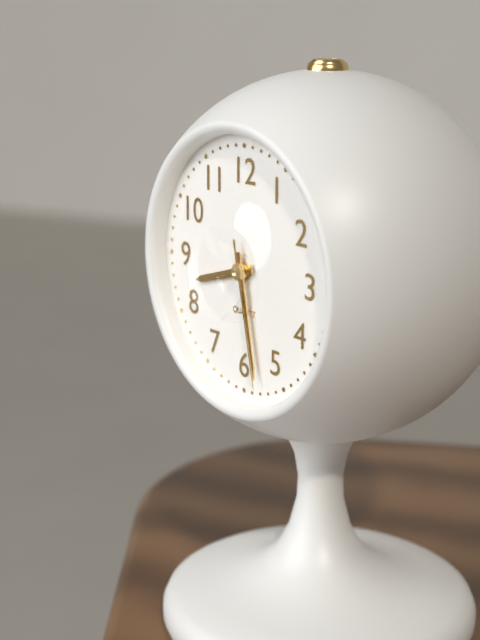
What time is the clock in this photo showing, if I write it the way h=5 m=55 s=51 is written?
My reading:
h=8 m=28 s=28
